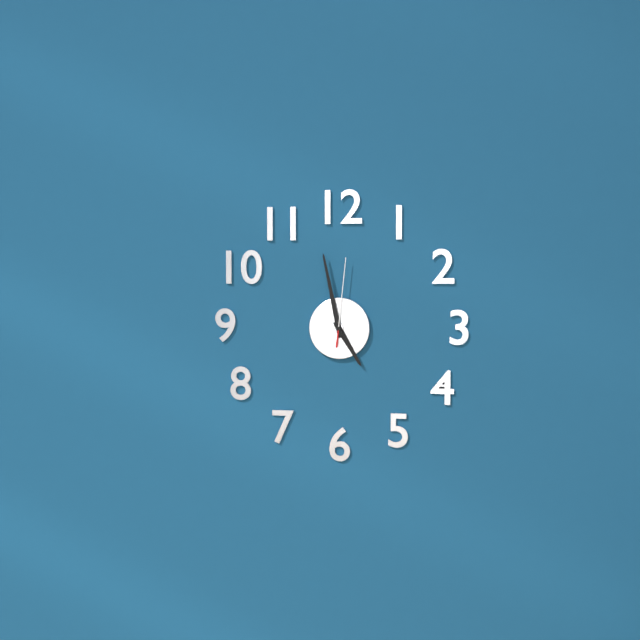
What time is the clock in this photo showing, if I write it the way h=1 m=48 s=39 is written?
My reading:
h=4 m=58 s=1
